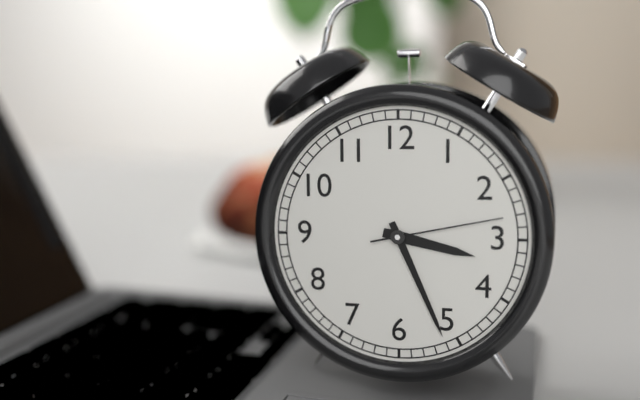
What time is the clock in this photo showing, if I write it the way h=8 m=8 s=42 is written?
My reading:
h=3 m=26 s=13
